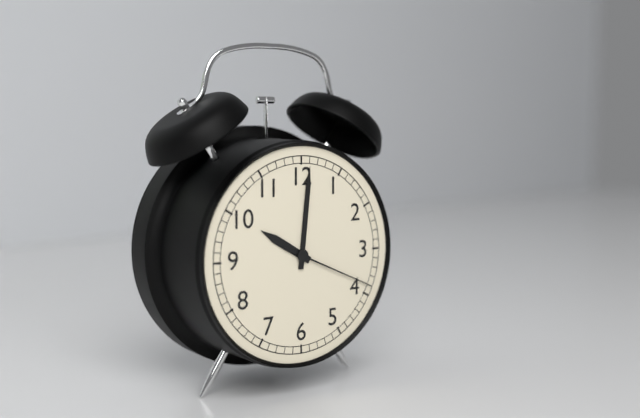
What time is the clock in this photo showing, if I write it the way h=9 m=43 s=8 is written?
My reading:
h=10 m=1 s=19
